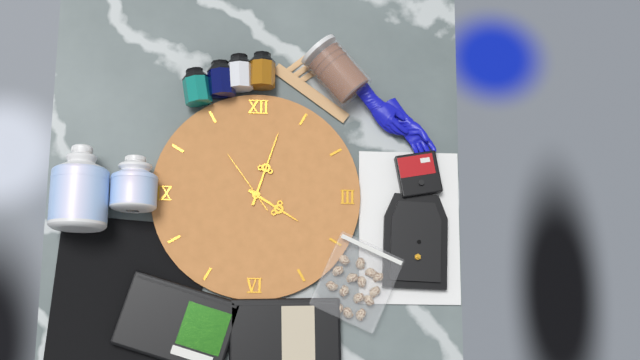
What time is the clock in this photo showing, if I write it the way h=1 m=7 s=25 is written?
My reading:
h=4 m=3 s=54
